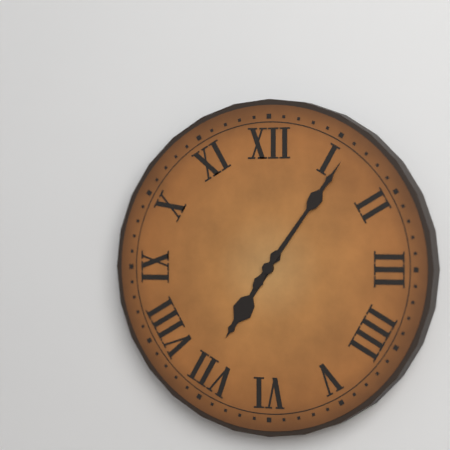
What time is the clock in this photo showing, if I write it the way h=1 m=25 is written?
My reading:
h=7 m=6
